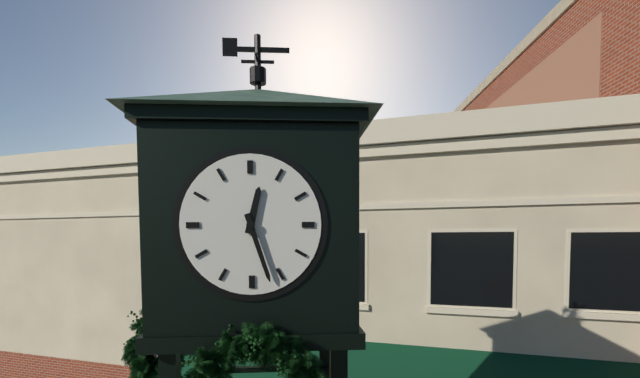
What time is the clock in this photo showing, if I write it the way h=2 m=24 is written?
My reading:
h=12 m=27
